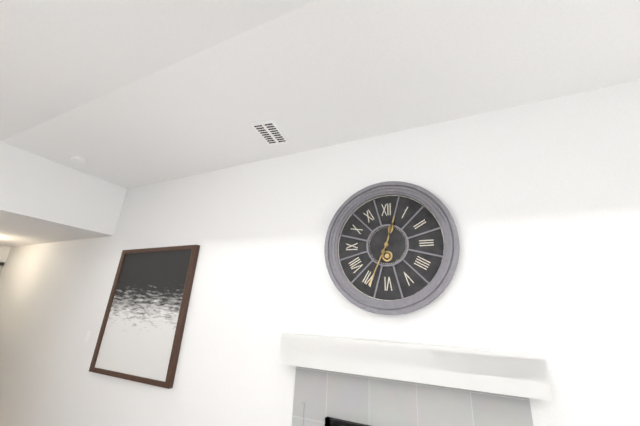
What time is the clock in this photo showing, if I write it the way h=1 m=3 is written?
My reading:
h=12 m=34
